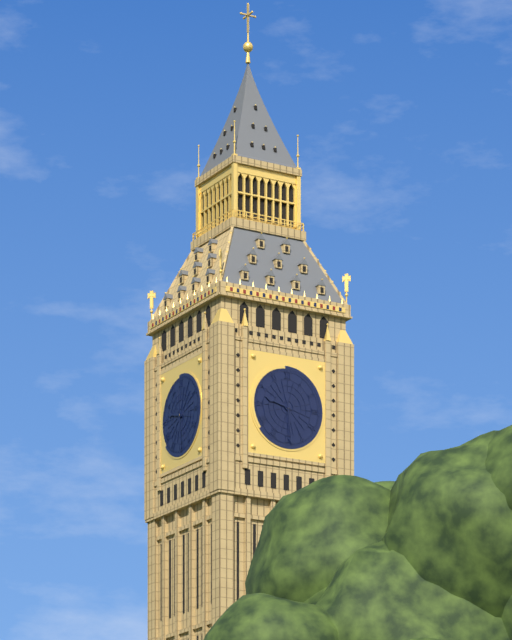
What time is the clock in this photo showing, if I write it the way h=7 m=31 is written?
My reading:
h=9 m=29
